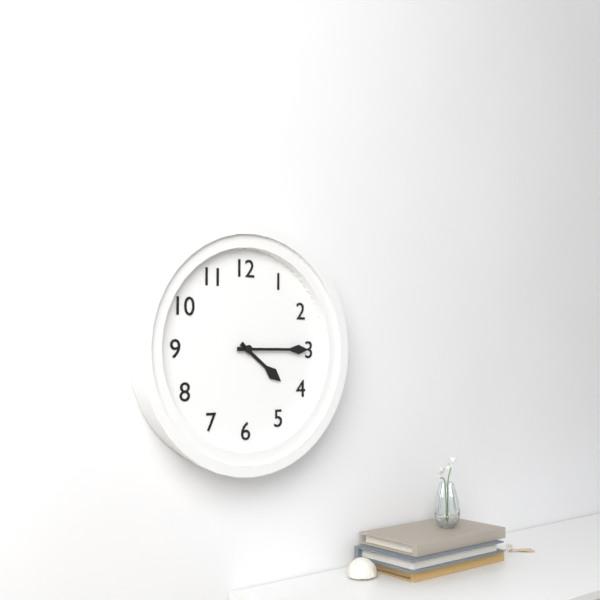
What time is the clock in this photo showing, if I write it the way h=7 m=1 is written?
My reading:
h=4 m=15
